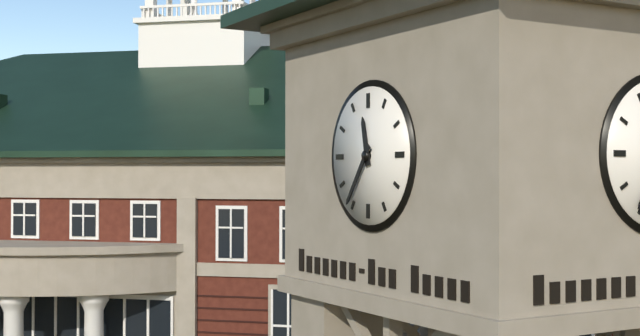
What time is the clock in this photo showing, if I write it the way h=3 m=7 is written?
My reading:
h=11 m=36
